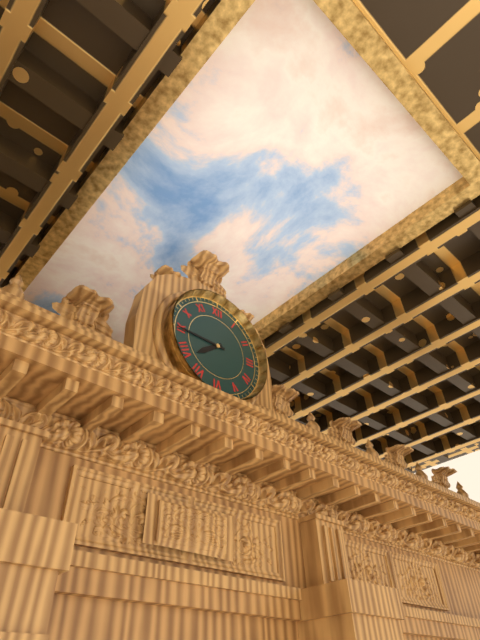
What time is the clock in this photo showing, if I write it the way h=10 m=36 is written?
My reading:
h=7 m=45
